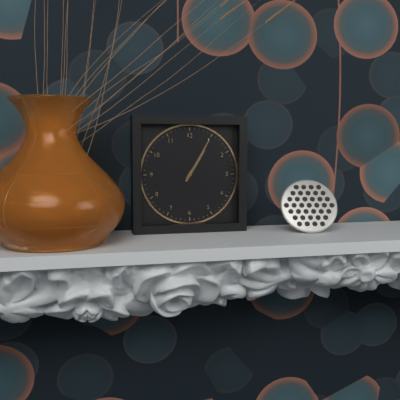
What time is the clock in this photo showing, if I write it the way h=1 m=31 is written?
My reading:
h=1 m=5
